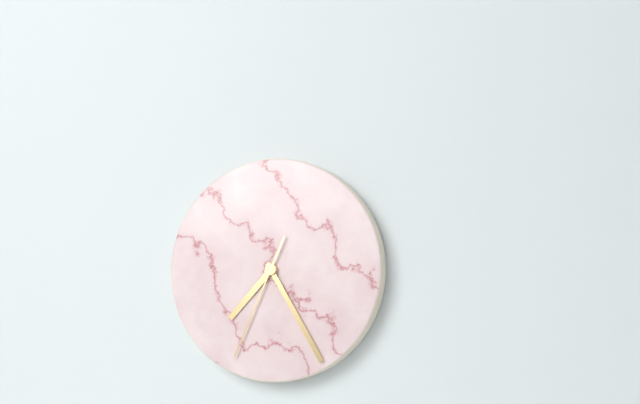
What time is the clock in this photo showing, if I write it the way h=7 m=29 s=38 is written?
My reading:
h=7 m=25 s=34
